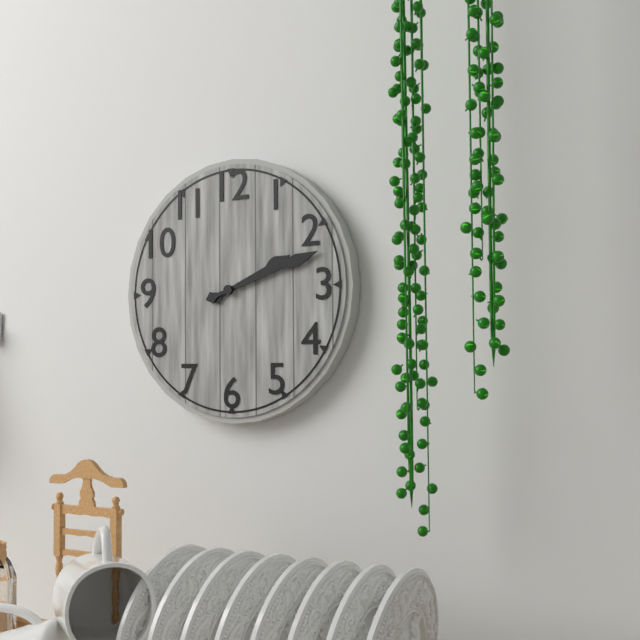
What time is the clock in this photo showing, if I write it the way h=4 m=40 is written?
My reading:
h=2 m=12
